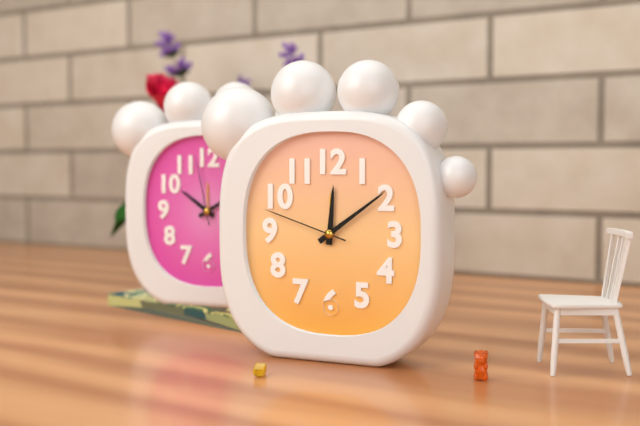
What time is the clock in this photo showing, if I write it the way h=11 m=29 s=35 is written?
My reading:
h=12 m=9 s=48
